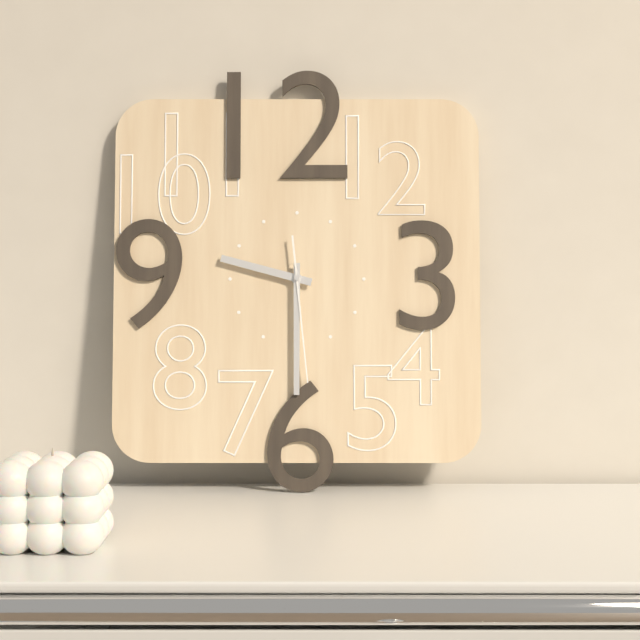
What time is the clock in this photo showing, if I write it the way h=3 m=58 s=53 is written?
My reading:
h=9 m=30 s=29
